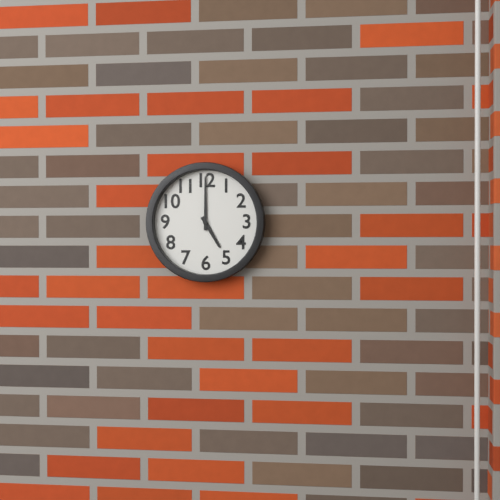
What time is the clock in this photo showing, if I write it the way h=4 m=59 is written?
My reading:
h=5 m=0
